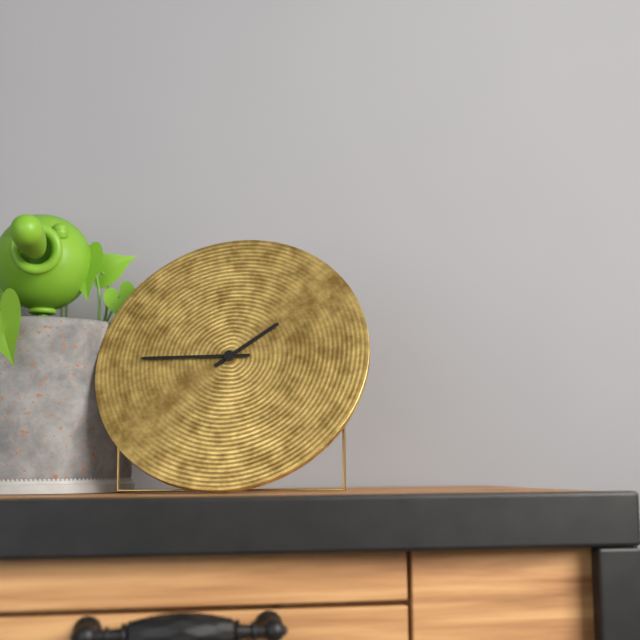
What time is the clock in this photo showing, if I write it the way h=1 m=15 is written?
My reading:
h=1 m=45
